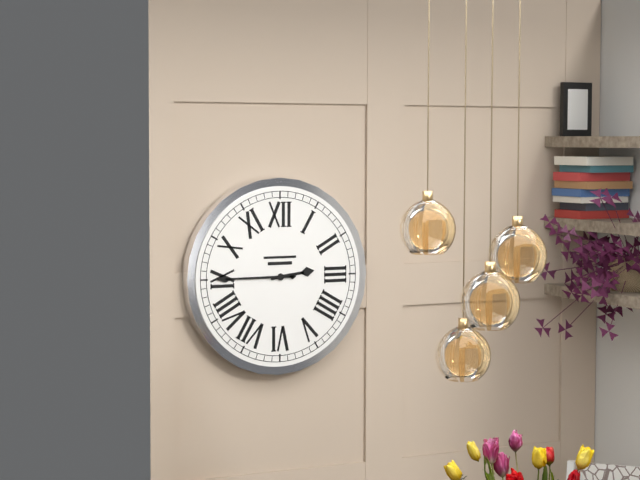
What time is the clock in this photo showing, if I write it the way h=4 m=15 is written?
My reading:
h=2 m=45
